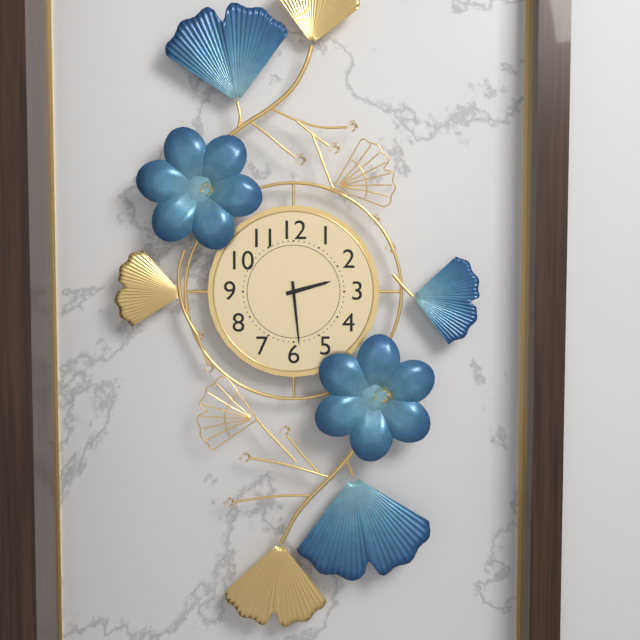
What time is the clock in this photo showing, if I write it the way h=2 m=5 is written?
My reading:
h=2 m=29
